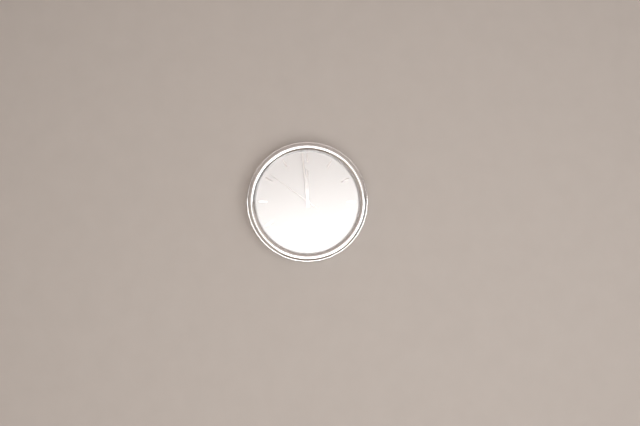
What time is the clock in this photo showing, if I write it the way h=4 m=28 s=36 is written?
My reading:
h=11 m=59 s=51
